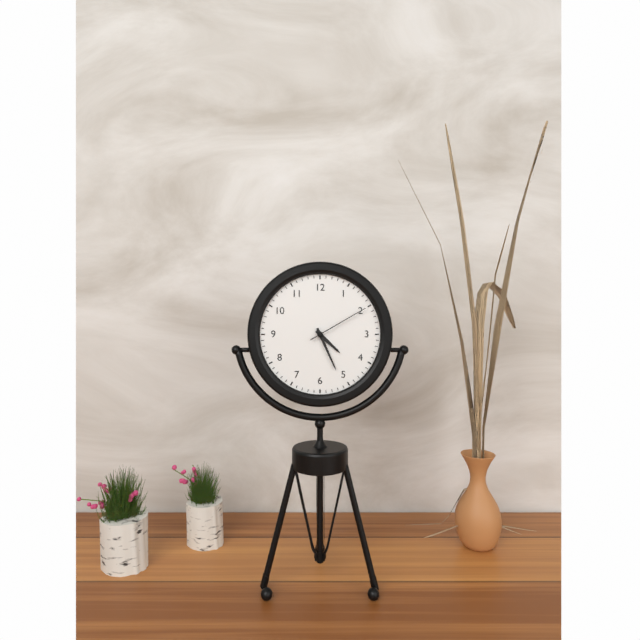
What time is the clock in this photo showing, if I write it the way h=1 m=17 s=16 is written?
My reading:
h=4 m=26 s=10
